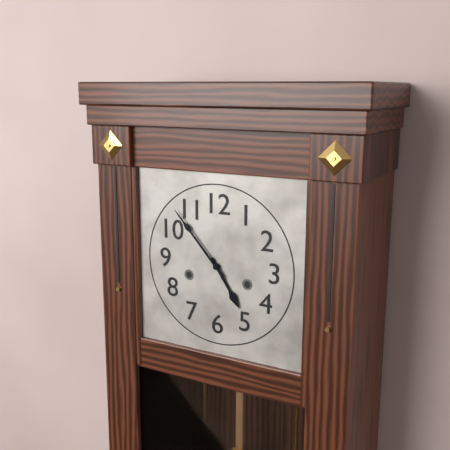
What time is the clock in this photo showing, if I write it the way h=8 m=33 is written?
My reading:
h=4 m=53
